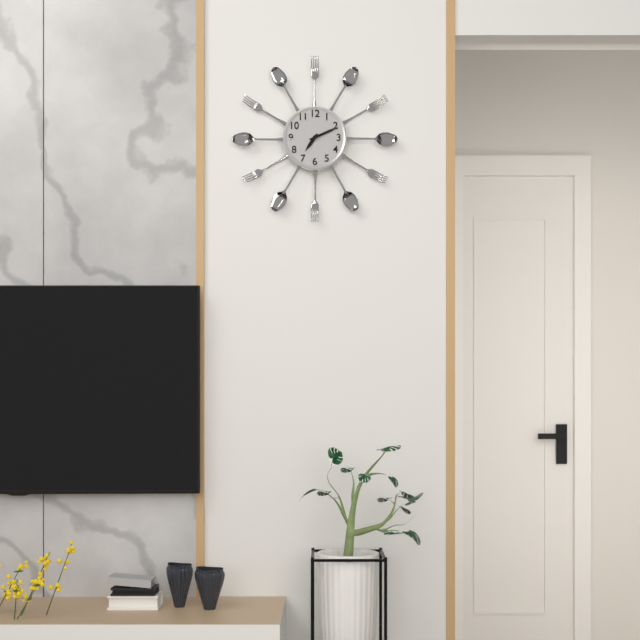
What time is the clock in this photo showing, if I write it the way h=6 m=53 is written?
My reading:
h=7 m=11
